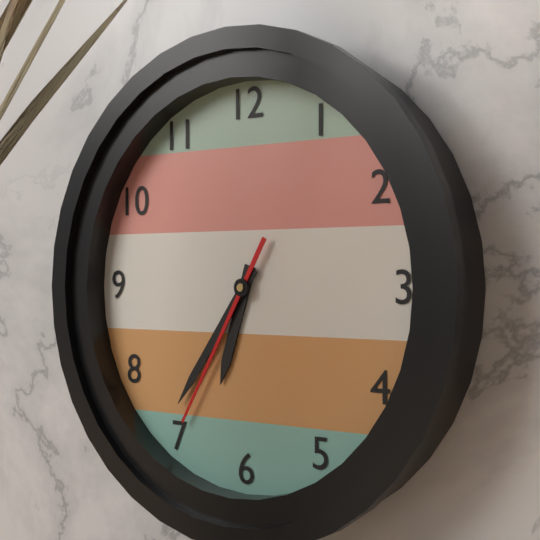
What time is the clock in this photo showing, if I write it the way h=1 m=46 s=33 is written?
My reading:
h=6 m=36 s=35
